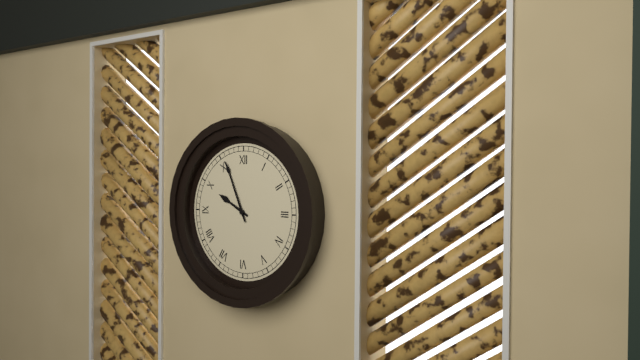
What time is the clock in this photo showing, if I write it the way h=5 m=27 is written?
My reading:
h=9 m=56
